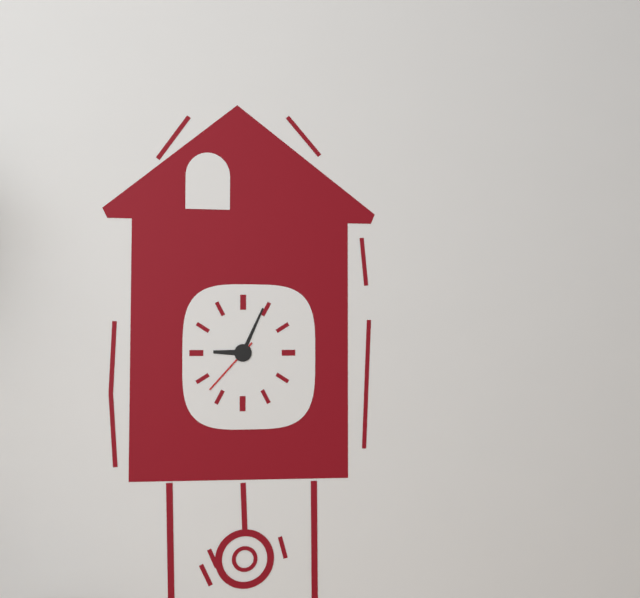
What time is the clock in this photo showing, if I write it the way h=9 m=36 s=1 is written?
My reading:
h=9 m=4 s=37
